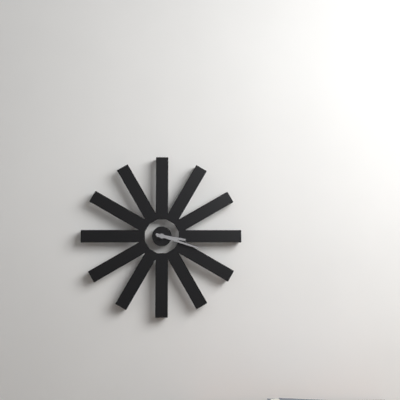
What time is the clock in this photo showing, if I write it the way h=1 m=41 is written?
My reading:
h=3 m=18
